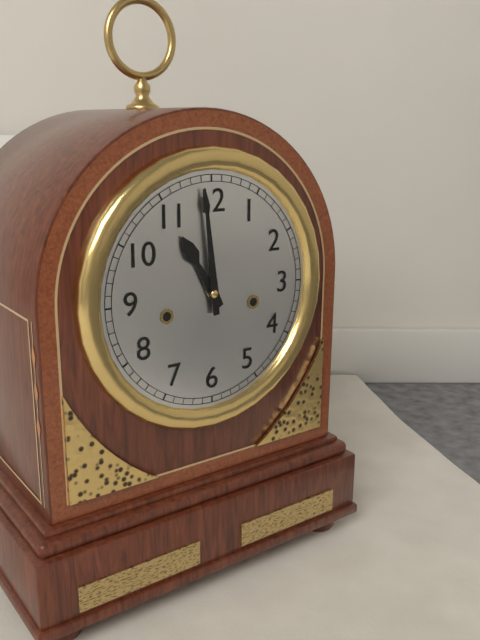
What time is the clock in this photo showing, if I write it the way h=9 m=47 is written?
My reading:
h=10 m=59
